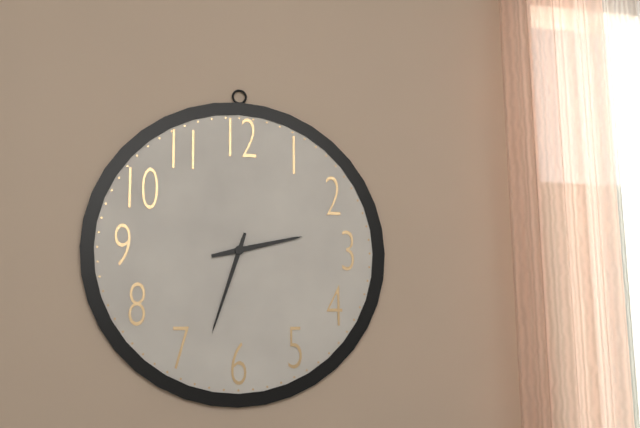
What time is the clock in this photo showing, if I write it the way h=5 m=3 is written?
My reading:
h=2 m=33
